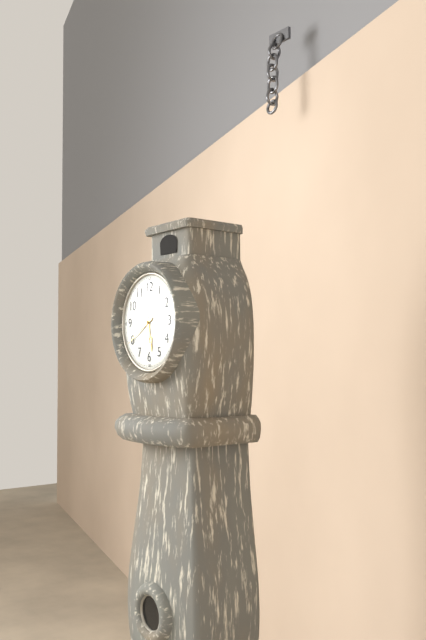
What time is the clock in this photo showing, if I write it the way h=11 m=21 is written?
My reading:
h=5 m=40
